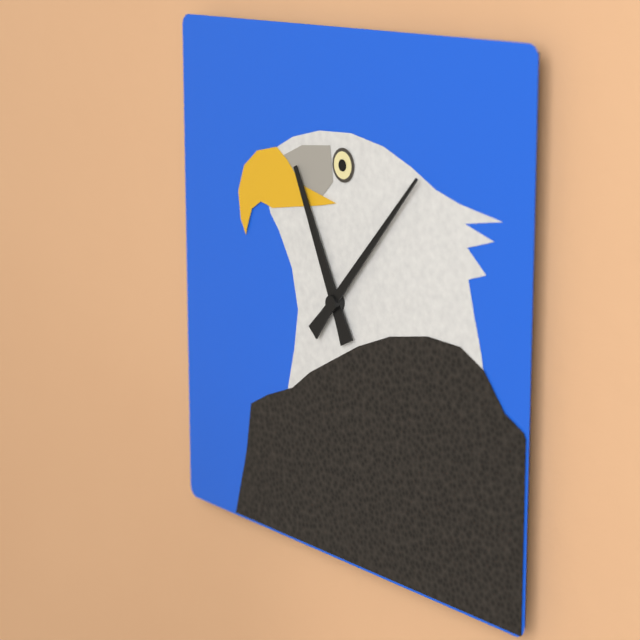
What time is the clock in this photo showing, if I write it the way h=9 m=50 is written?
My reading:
h=11 m=7
